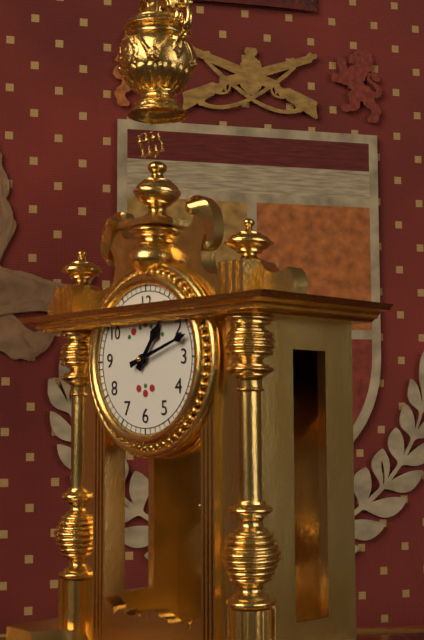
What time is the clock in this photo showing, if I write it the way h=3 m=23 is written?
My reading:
h=1 m=12
